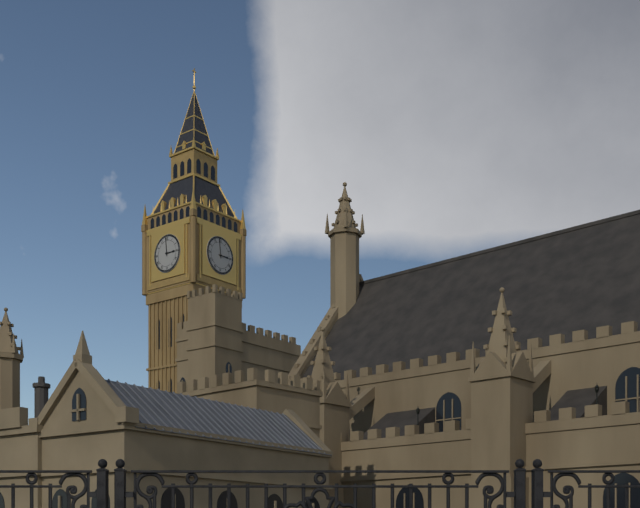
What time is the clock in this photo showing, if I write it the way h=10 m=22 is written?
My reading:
h=2 m=59
